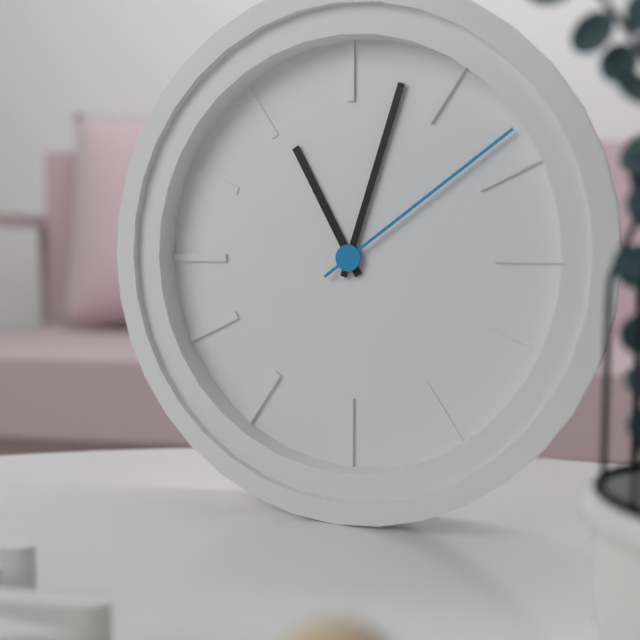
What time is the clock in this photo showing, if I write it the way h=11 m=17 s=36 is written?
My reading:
h=11 m=3 s=9
